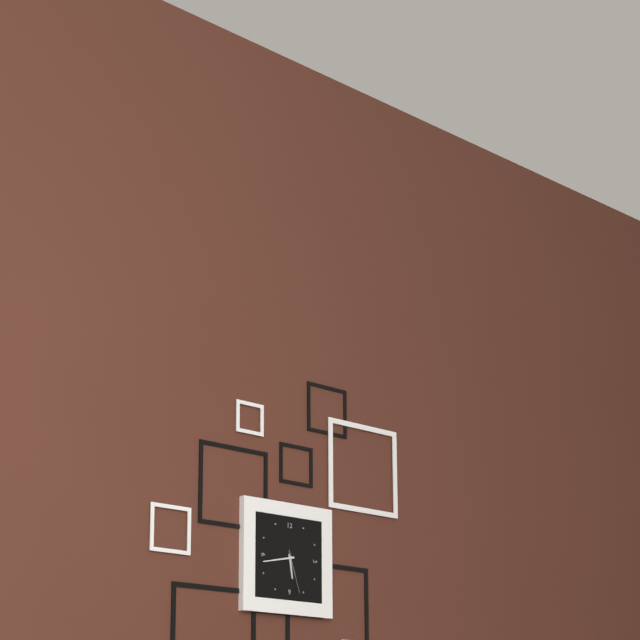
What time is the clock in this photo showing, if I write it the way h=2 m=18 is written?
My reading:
h=5 m=43
